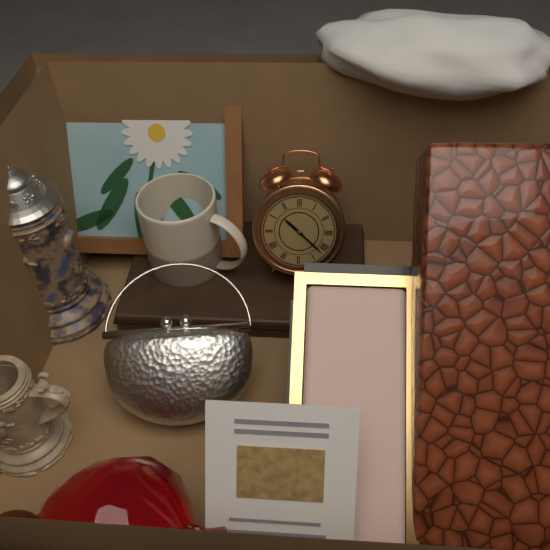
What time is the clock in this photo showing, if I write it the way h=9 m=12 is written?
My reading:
h=10 m=22
